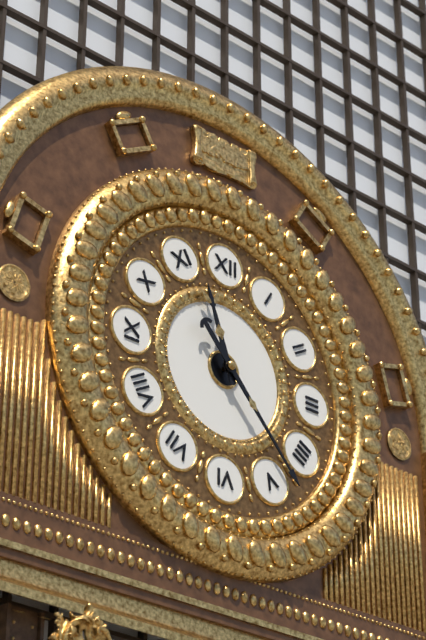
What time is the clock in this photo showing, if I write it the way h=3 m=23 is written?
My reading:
h=11 m=23
